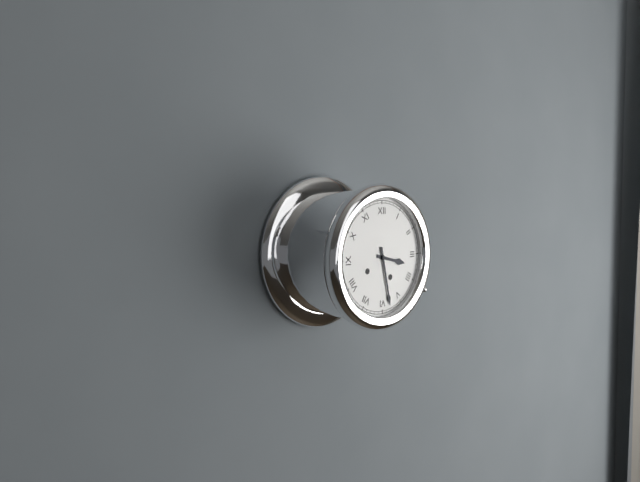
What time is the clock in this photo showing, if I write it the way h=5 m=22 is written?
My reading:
h=3 m=28
